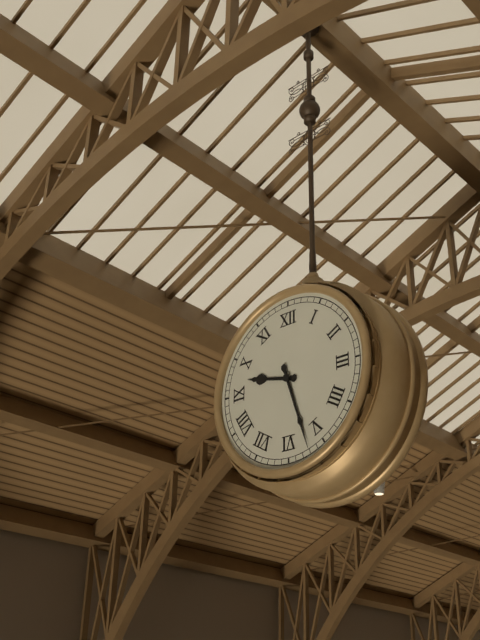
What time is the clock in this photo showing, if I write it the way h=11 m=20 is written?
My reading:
h=9 m=27
